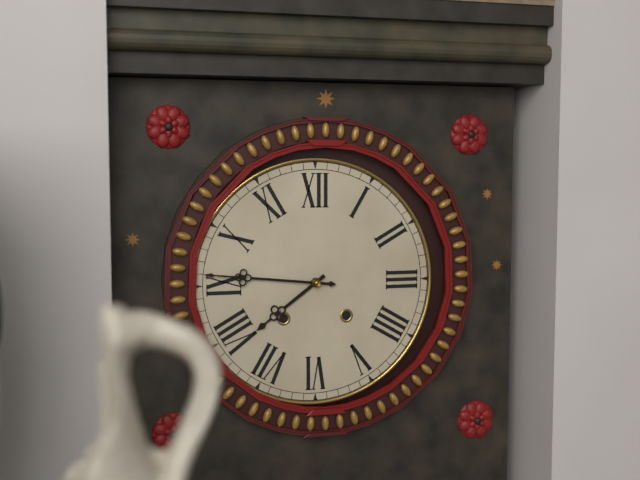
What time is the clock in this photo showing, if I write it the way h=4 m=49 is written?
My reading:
h=7 m=46
